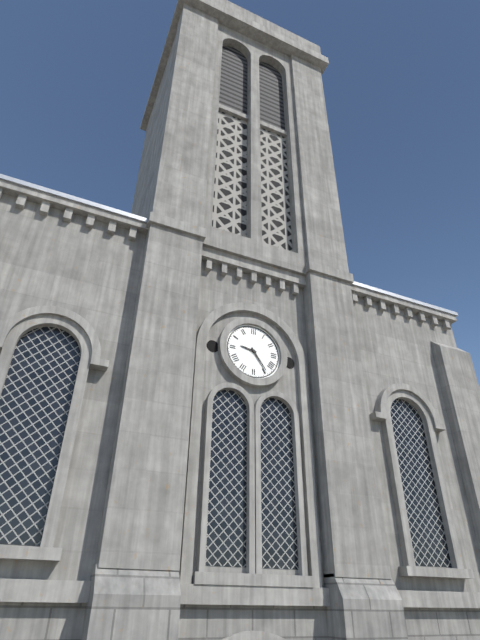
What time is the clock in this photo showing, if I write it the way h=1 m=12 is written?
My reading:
h=9 m=24
